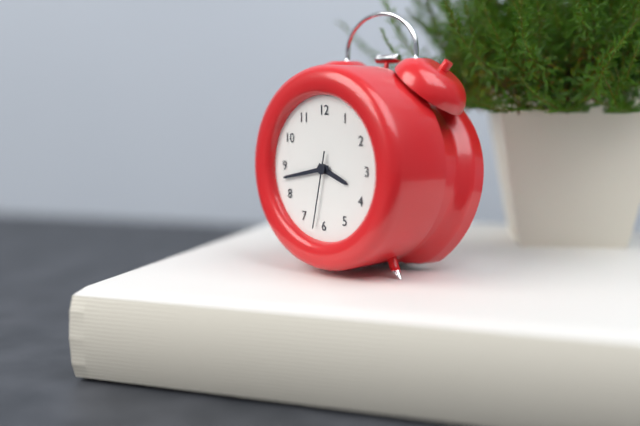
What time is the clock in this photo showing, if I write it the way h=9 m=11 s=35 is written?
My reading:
h=3 m=43 s=32
